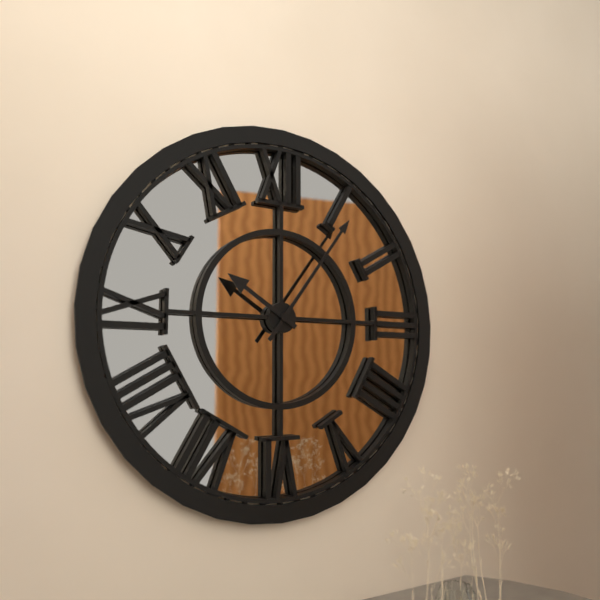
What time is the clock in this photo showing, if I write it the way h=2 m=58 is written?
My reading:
h=10 m=6
